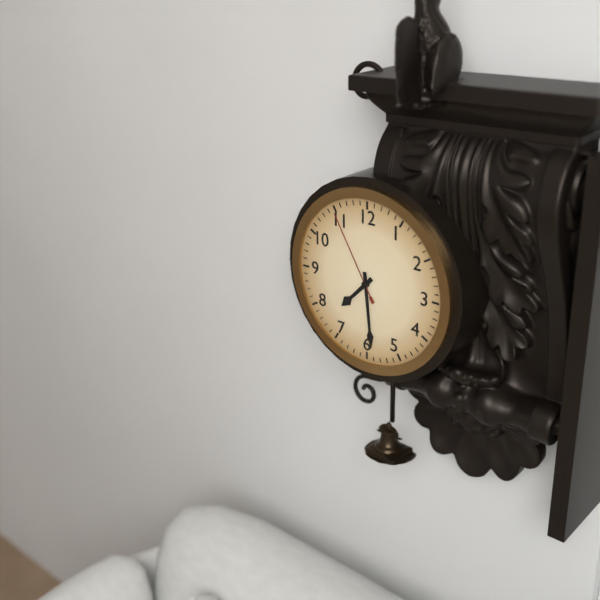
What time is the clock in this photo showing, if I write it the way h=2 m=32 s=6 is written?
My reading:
h=7 m=29 s=55
